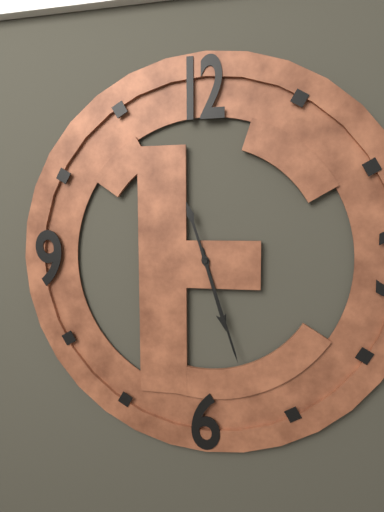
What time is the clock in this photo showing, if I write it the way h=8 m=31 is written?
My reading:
h=5 m=27
